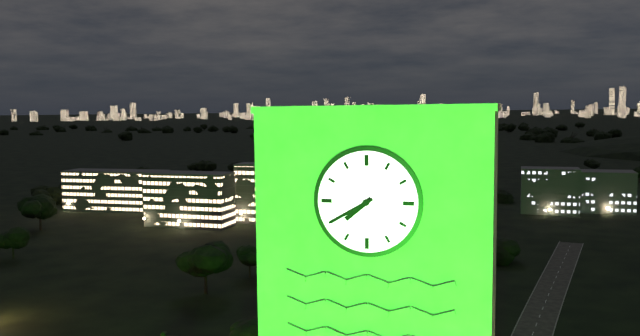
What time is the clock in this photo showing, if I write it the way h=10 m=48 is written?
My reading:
h=7 m=40
